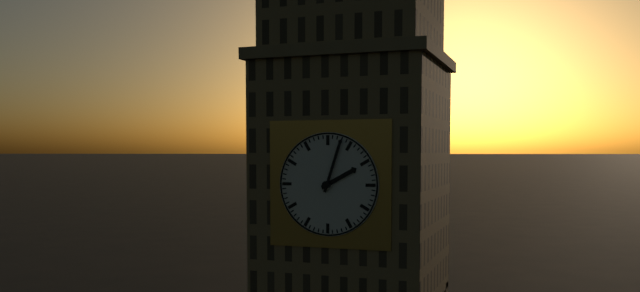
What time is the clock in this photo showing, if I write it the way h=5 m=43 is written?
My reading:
h=2 m=3
